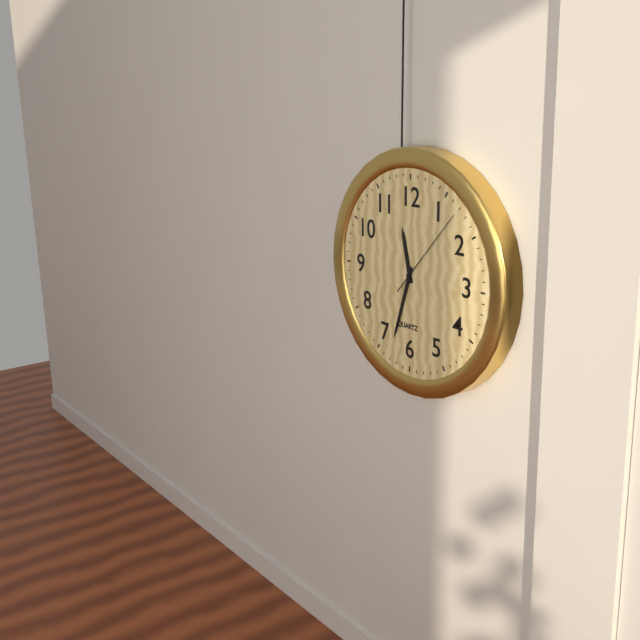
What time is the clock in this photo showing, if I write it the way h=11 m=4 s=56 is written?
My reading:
h=11 m=33 s=7
